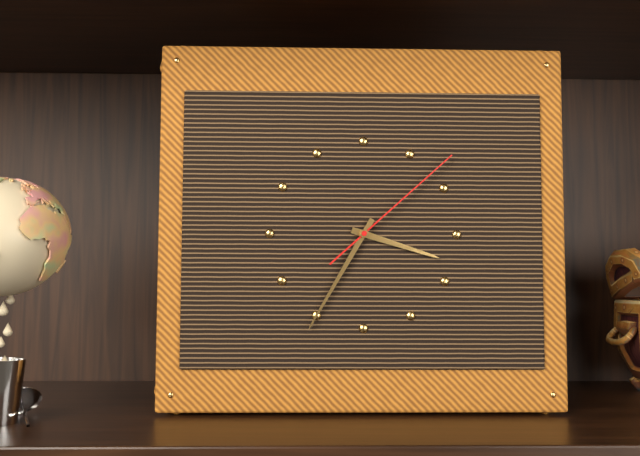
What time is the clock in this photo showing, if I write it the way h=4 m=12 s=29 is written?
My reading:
h=3 m=35 s=8
